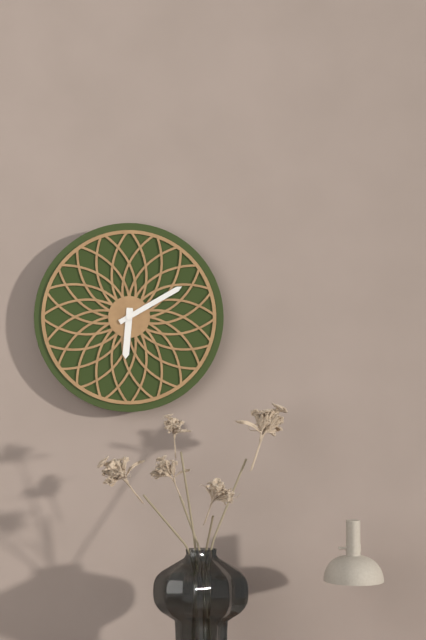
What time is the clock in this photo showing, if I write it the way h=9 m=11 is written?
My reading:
h=6 m=10
